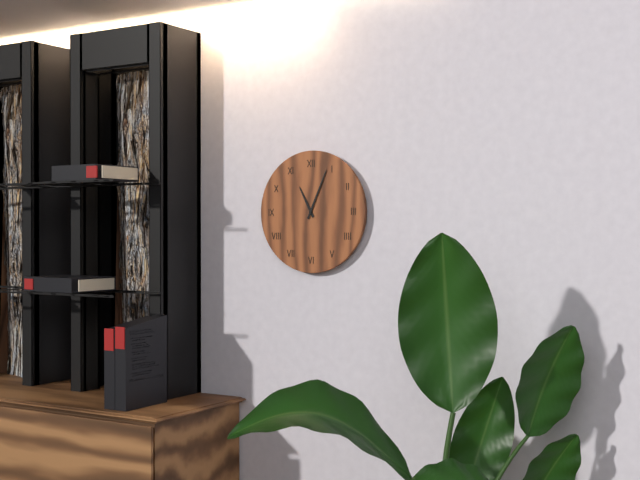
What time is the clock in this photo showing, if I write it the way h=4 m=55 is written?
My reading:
h=11 m=4
